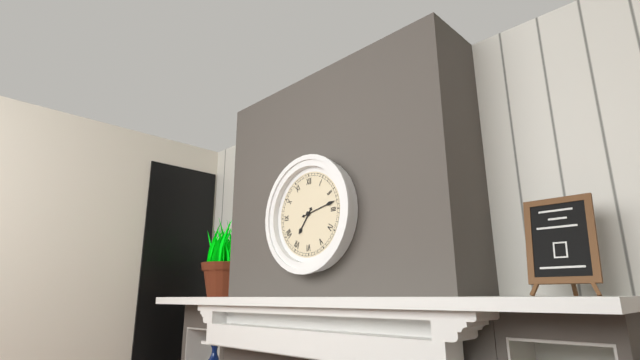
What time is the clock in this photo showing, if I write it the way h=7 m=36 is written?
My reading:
h=7 m=13
